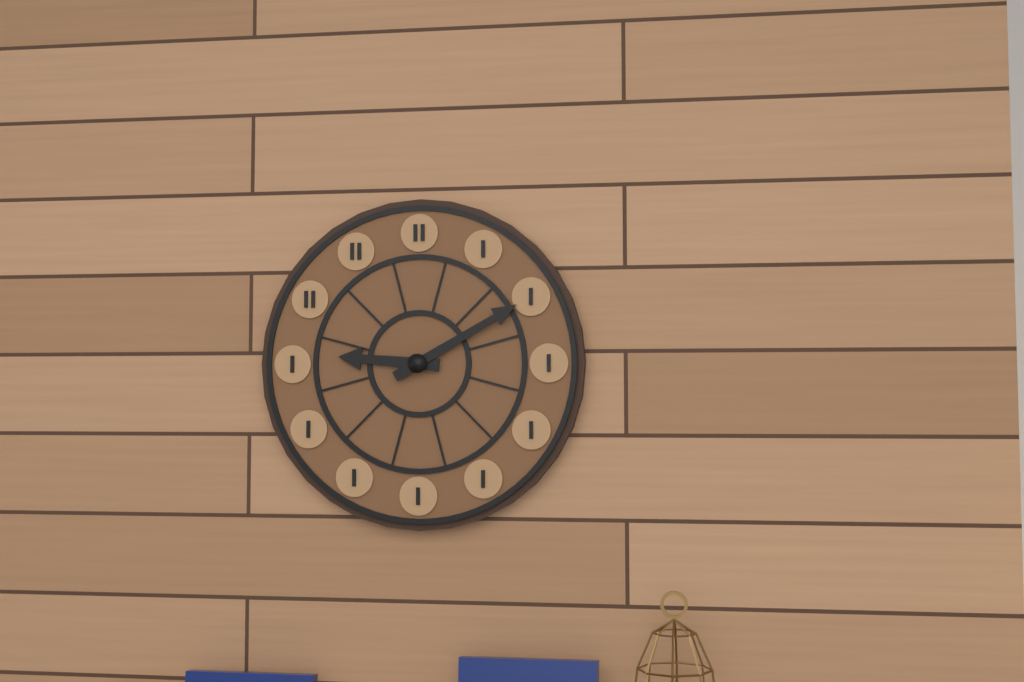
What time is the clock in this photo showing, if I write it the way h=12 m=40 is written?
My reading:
h=9 m=10
